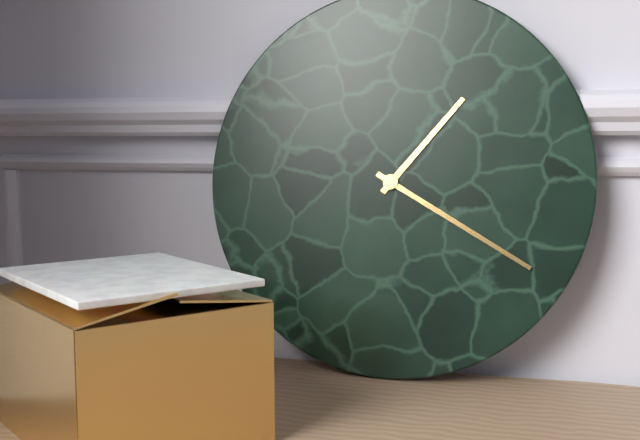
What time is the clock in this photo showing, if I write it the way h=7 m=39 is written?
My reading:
h=1 m=20
